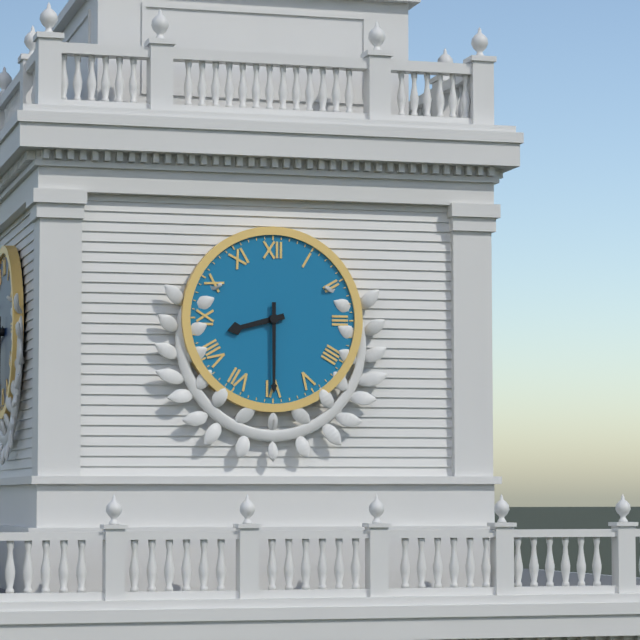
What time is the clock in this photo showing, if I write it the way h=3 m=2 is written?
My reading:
h=8 m=30
